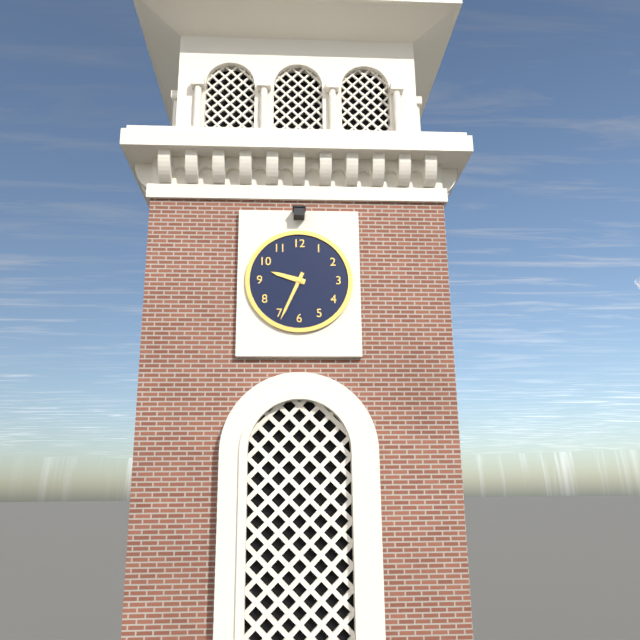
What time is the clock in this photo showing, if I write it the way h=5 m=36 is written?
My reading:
h=9 m=34
